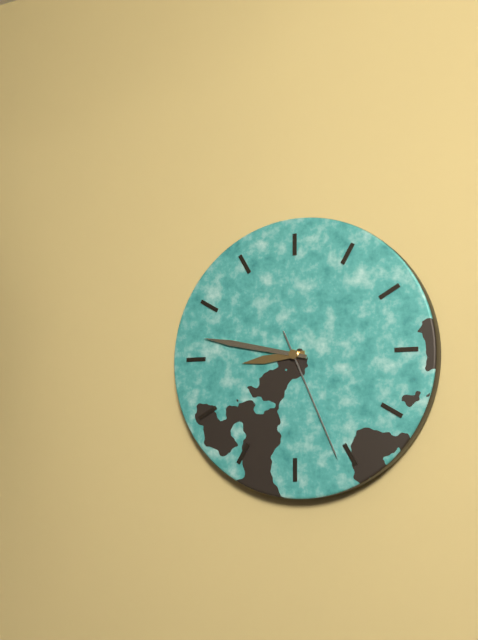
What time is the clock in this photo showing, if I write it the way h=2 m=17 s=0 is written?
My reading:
h=8 m=47 s=26
